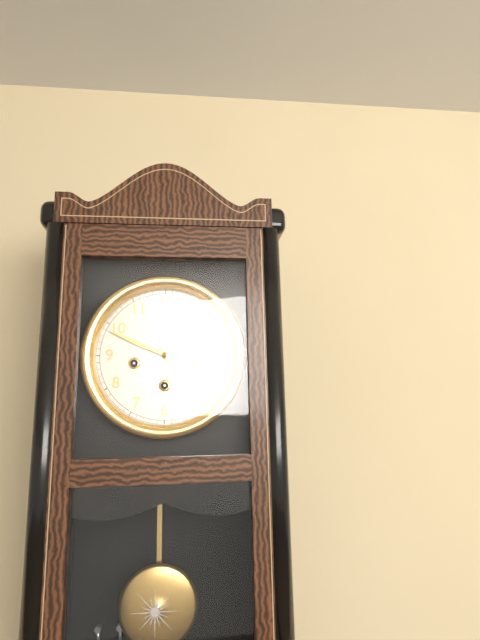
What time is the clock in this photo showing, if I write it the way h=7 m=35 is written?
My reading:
h=4 m=49
